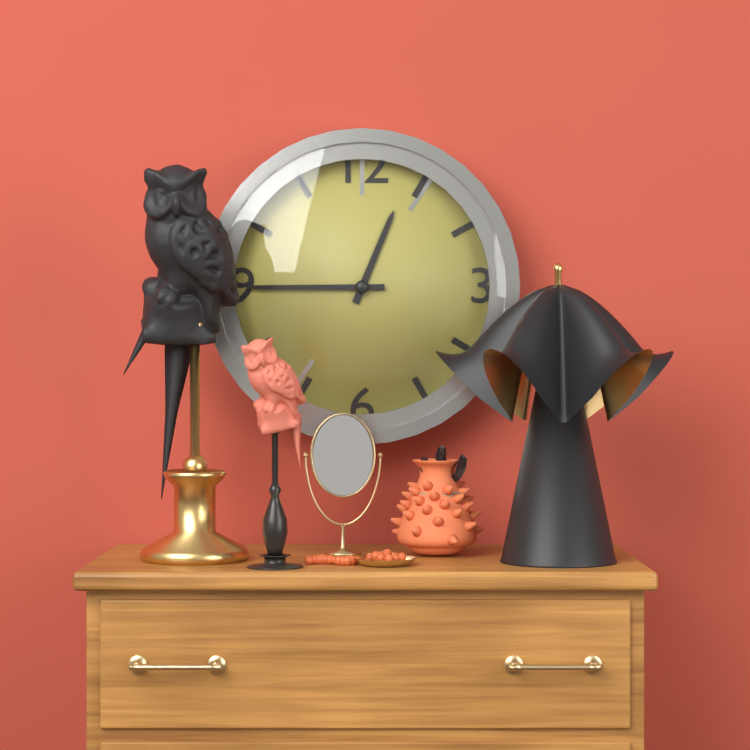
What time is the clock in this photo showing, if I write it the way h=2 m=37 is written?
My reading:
h=12 m=45
